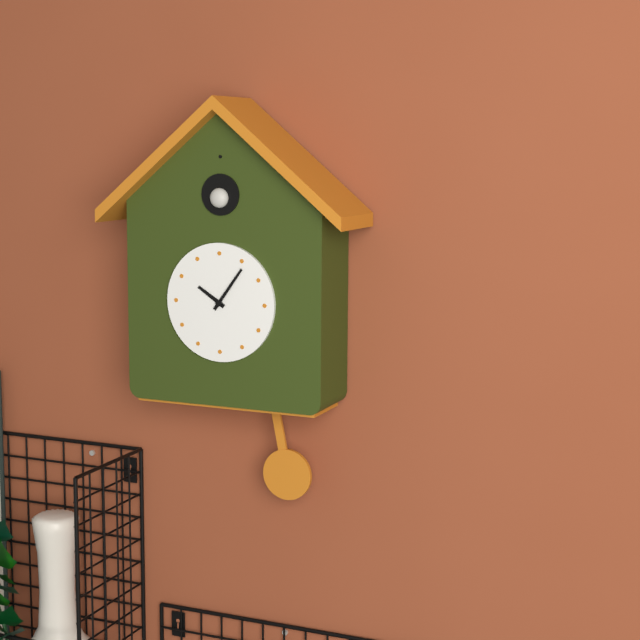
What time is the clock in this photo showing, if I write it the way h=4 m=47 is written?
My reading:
h=10 m=6
